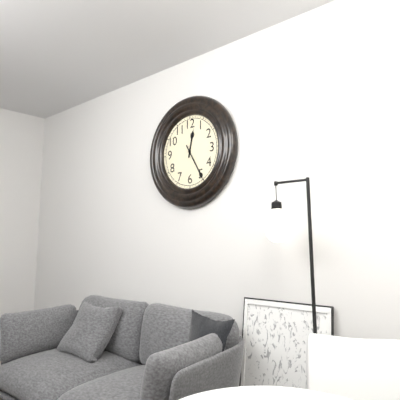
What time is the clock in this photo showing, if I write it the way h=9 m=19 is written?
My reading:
h=12 m=25
